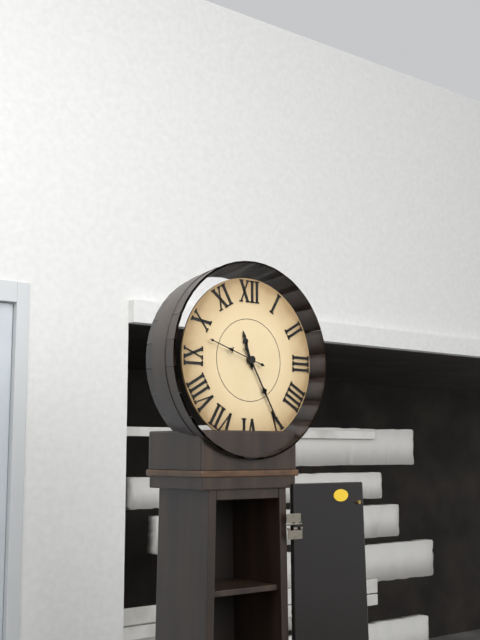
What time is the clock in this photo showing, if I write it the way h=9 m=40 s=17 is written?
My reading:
h=11 m=25 s=48
